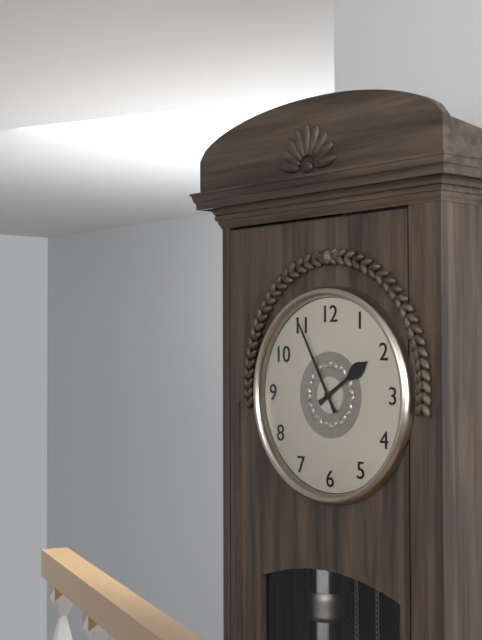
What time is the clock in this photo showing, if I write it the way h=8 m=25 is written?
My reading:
h=1 m=55
